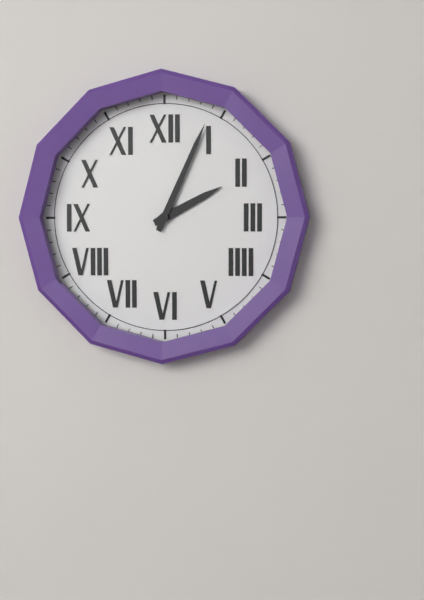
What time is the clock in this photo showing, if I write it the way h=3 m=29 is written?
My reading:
h=2 m=4
